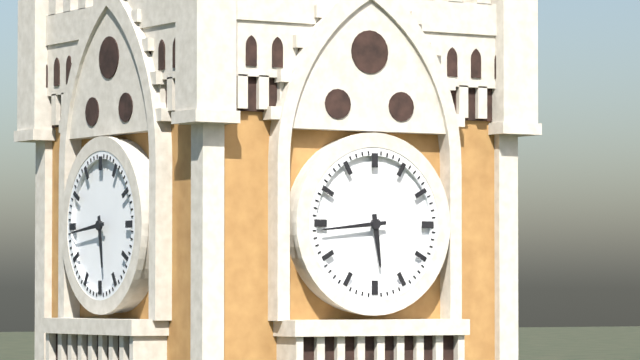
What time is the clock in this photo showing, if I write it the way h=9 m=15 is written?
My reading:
h=5 m=44
